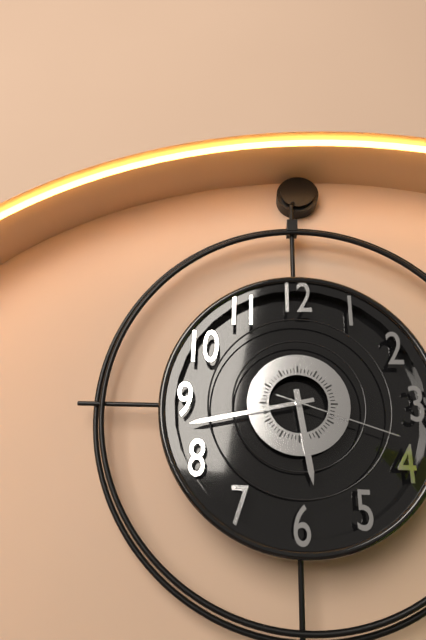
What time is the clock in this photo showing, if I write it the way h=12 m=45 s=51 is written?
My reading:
h=5 m=43 s=18
